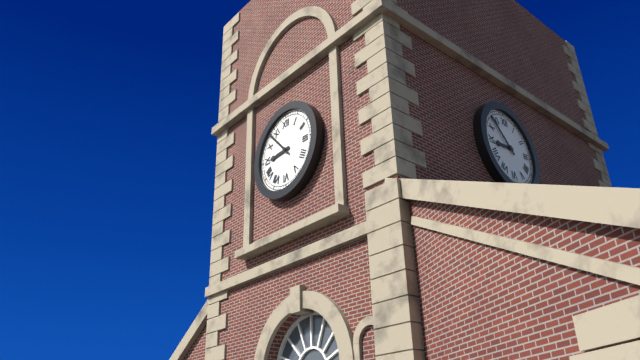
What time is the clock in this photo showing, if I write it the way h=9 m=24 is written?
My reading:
h=8 m=53
